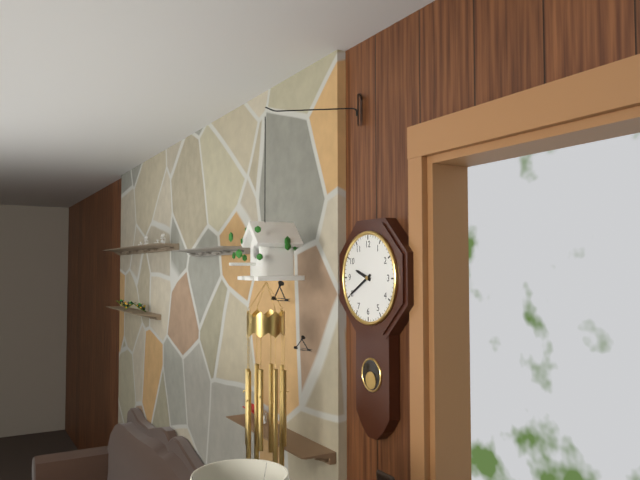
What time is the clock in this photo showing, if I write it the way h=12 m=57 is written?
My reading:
h=9 m=40
